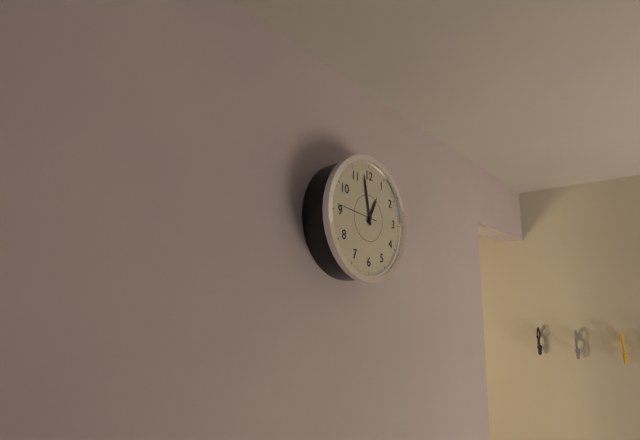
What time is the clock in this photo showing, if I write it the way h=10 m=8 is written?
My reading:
h=12 m=58
